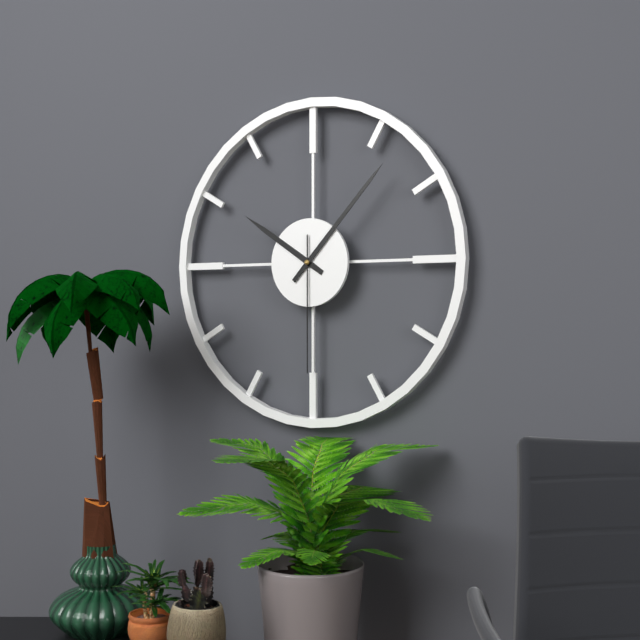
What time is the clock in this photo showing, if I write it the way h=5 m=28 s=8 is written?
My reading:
h=10 m=7 s=30
